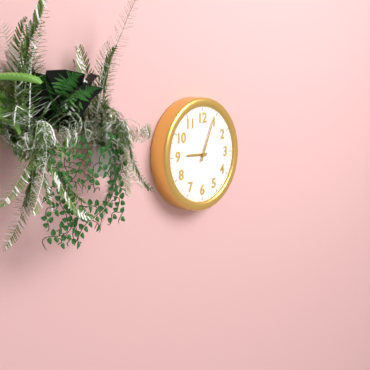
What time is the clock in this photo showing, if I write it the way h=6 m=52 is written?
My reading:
h=9 m=4
